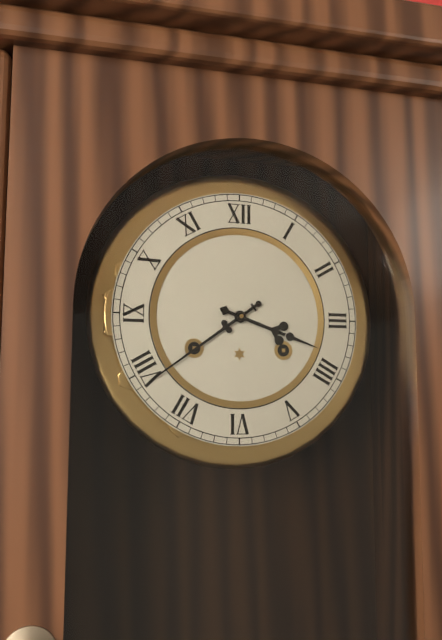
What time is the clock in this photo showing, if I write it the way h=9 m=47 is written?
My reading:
h=3 m=39
